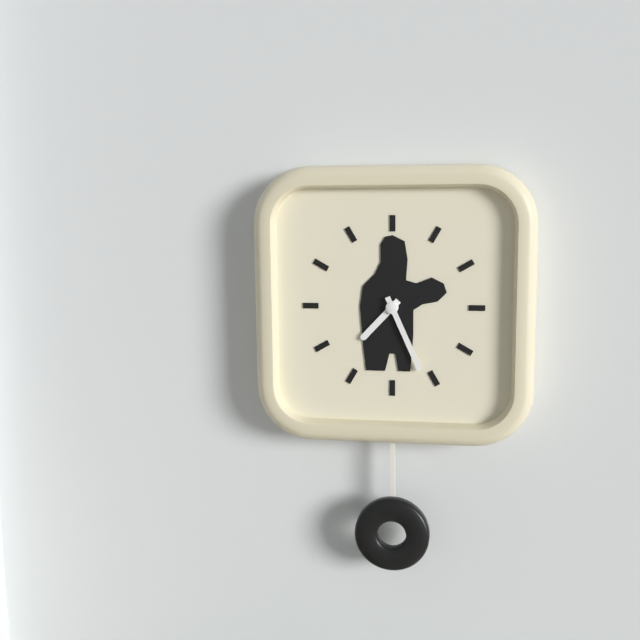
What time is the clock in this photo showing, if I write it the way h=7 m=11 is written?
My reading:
h=7 m=26
